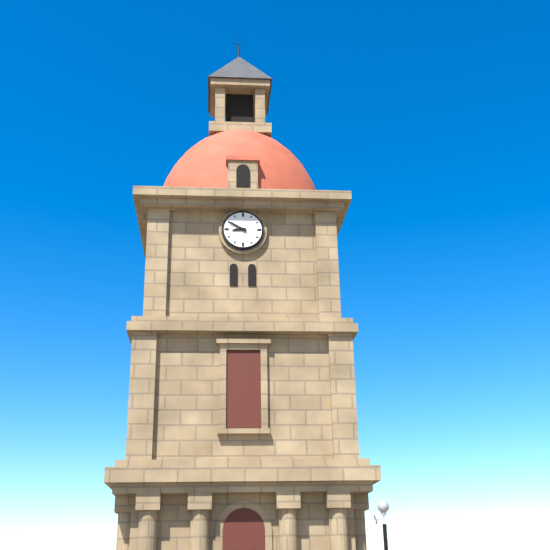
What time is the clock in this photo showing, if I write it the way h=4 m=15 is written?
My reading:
h=8 m=50
